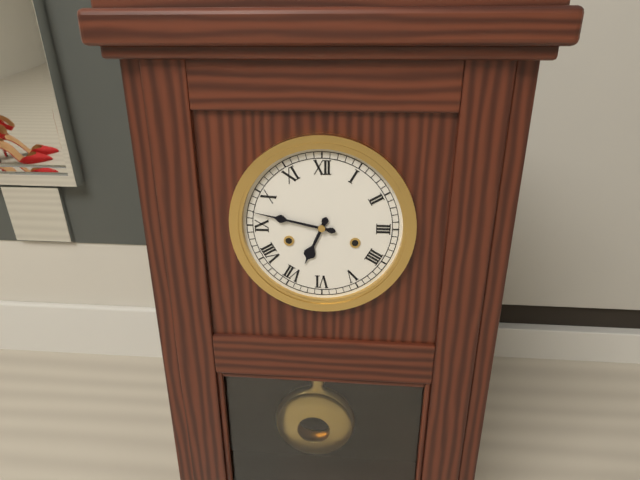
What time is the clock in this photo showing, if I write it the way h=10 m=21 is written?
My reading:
h=6 m=47
